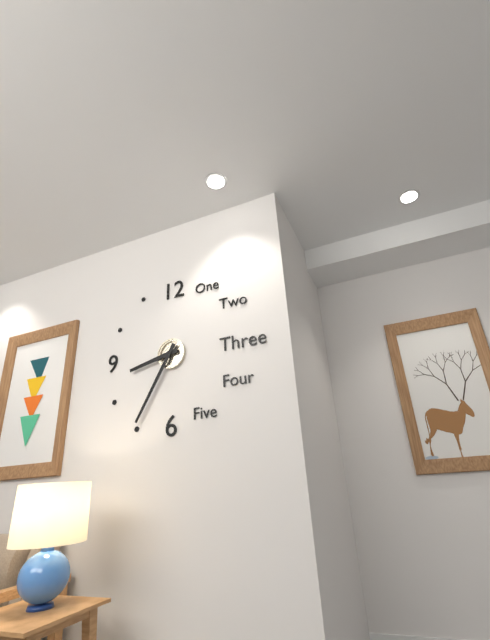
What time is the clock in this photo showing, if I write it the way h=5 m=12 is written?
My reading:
h=8 m=35
